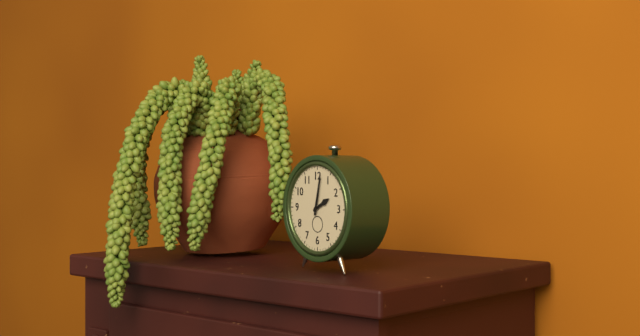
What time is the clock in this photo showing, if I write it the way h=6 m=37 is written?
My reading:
h=2 m=2
